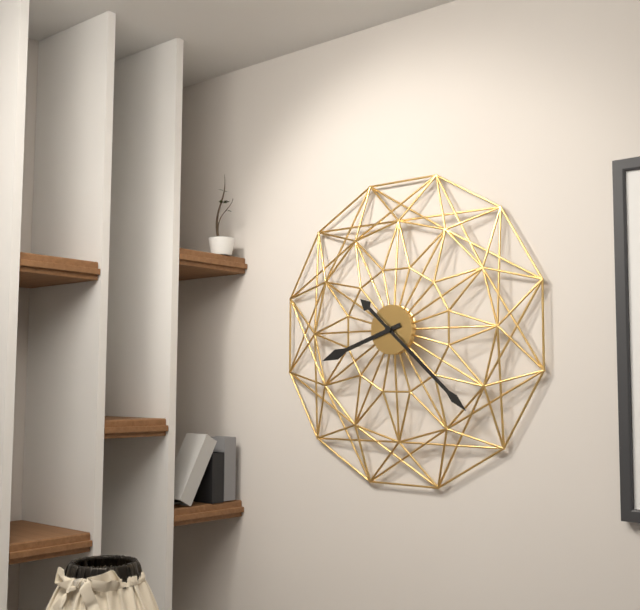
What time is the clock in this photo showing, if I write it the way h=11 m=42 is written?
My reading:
h=8 m=22
